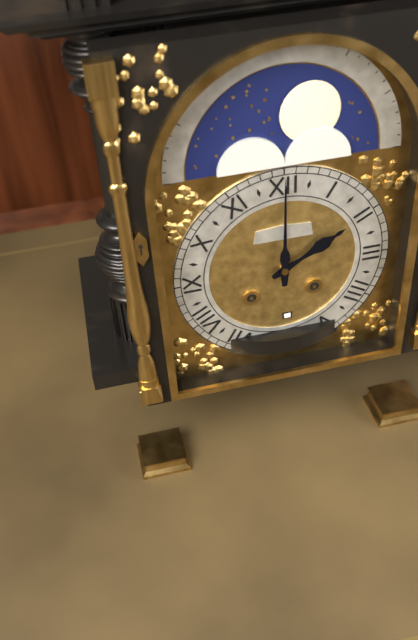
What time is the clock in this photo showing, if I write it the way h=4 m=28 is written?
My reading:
h=2 m=0
